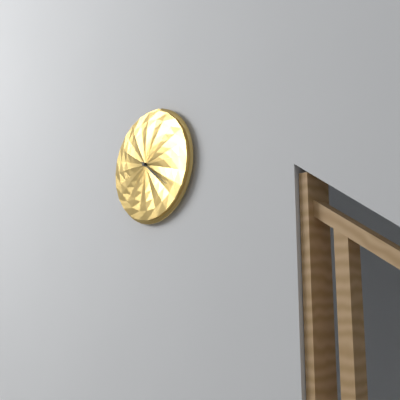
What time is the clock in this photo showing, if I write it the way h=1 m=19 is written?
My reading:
h=4 m=21
